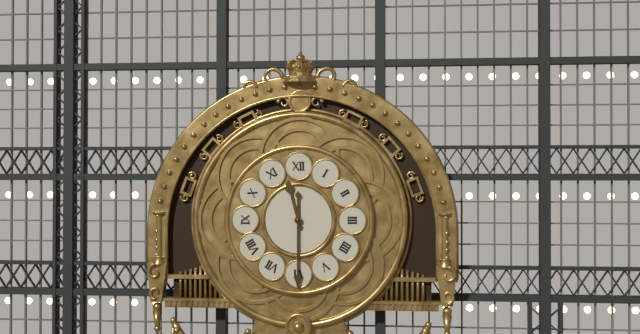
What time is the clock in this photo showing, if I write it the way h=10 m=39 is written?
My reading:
h=11 m=30
